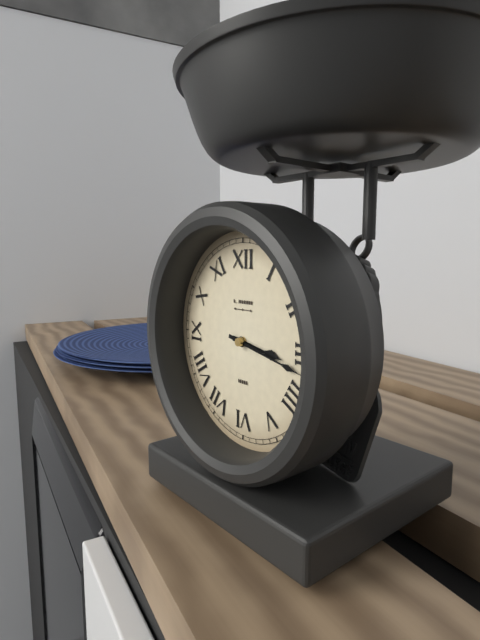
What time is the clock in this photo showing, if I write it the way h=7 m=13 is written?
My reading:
h=3 m=17
